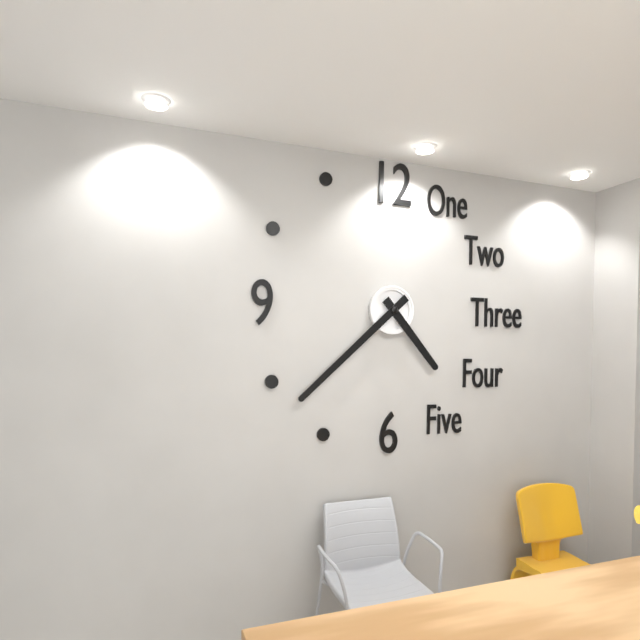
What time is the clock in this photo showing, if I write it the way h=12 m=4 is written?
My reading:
h=4 m=38
